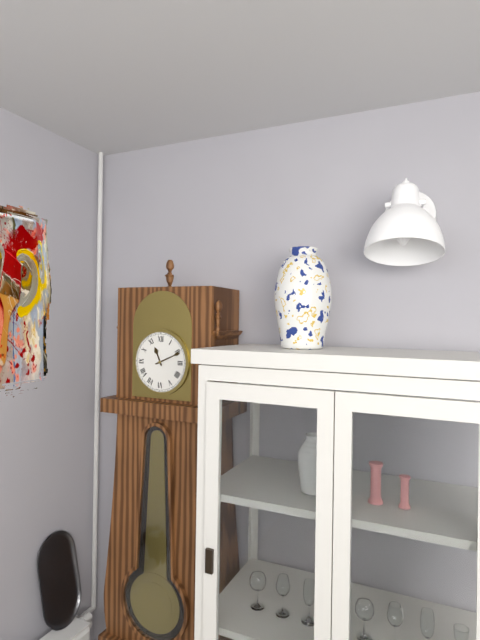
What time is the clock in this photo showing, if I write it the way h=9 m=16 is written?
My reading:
h=11 m=11
